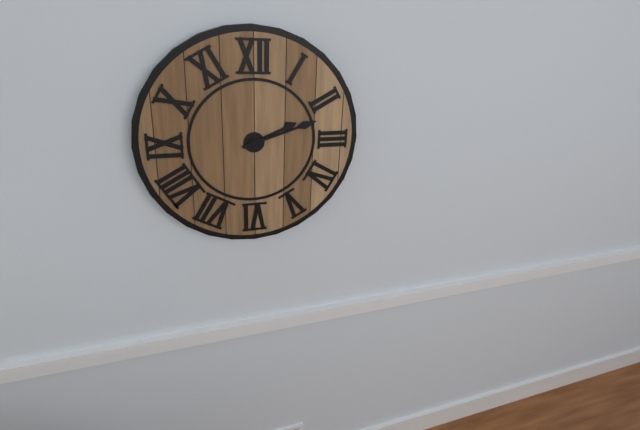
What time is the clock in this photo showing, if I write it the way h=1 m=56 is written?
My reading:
h=2 m=12
